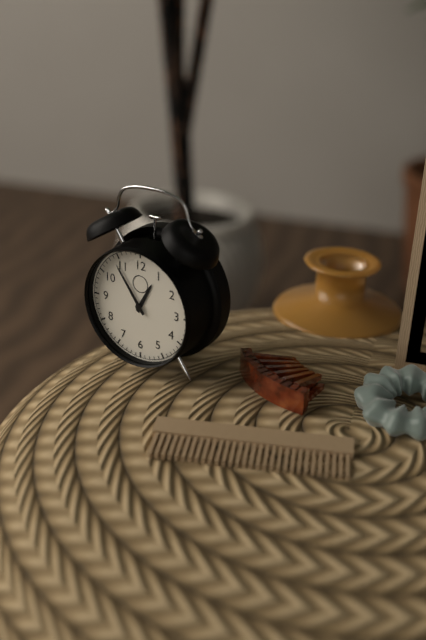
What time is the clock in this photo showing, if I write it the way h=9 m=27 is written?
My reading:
h=12 m=54
